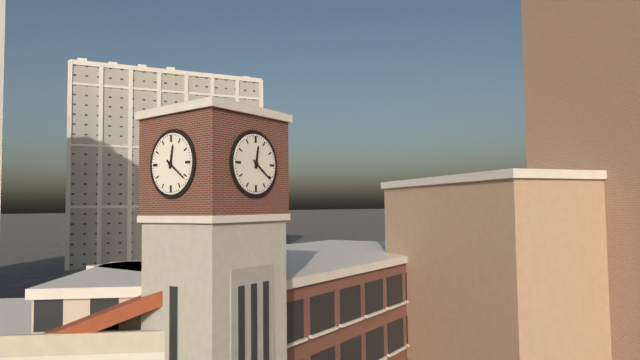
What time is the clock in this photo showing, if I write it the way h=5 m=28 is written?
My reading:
h=12 m=21
